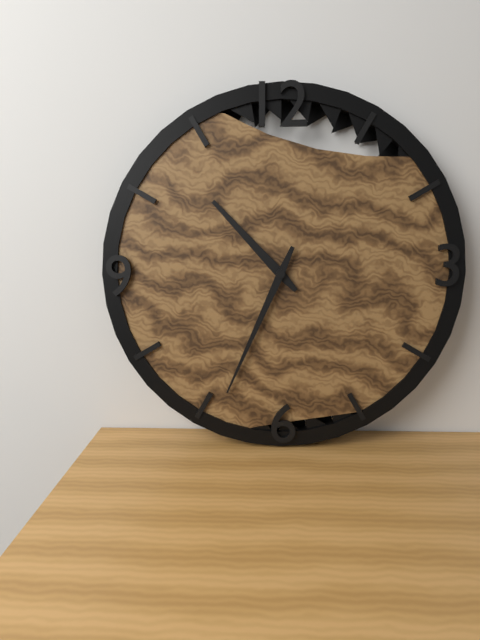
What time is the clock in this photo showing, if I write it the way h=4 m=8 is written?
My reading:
h=10 m=34
